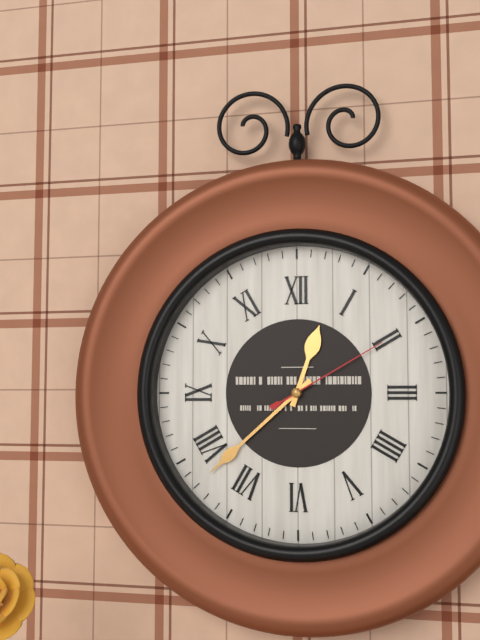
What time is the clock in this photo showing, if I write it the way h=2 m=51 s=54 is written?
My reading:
h=12 m=38 s=10
